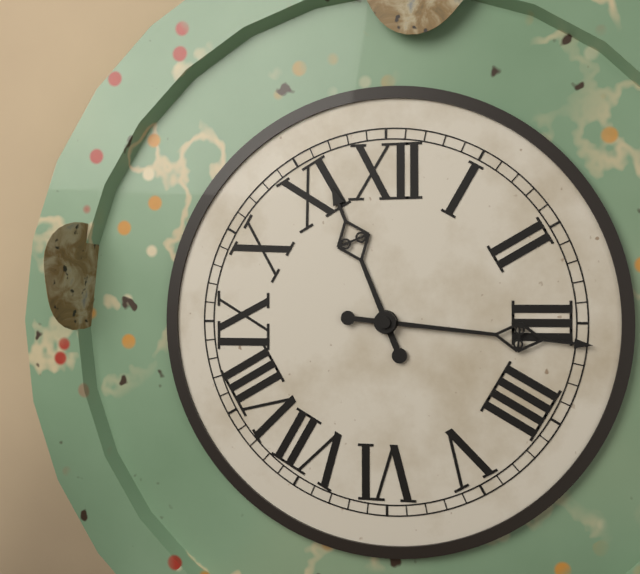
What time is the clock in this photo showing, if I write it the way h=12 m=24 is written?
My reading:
h=11 m=16
